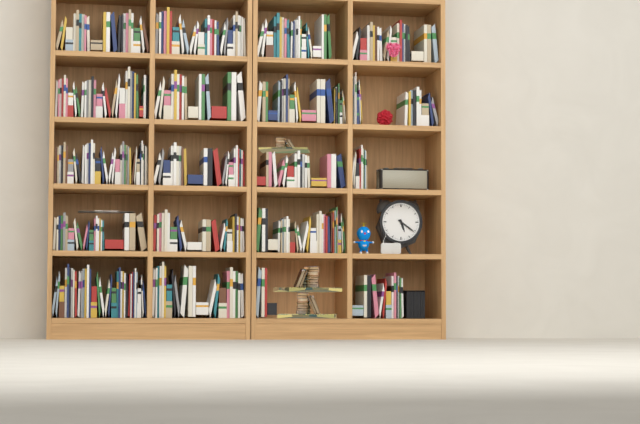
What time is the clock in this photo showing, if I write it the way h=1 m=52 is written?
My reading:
h=5 m=21
